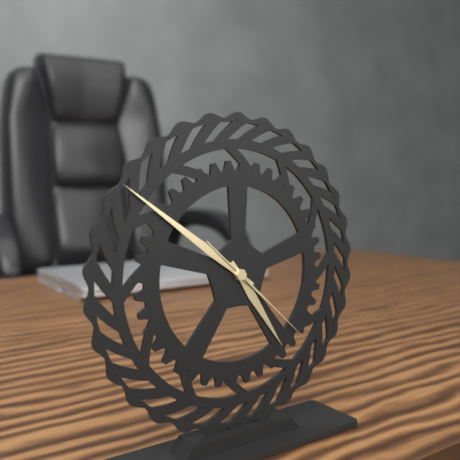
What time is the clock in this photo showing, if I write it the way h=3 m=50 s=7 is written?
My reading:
h=4 m=51 s=22
